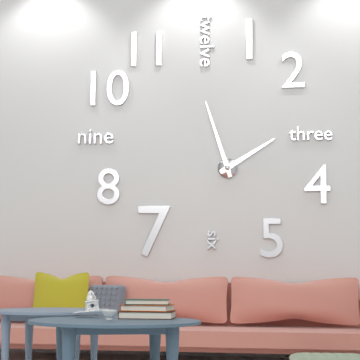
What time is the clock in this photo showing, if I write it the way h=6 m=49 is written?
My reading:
h=1 m=57
